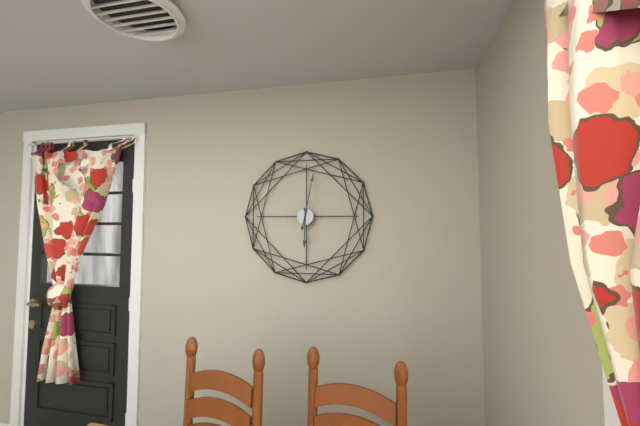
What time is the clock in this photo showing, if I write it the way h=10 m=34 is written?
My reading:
h=6 m=2
